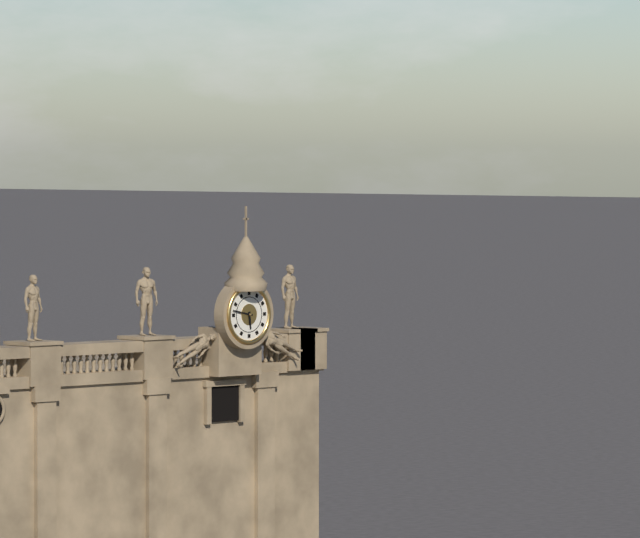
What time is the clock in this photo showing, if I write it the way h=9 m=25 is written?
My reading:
h=5 m=47
